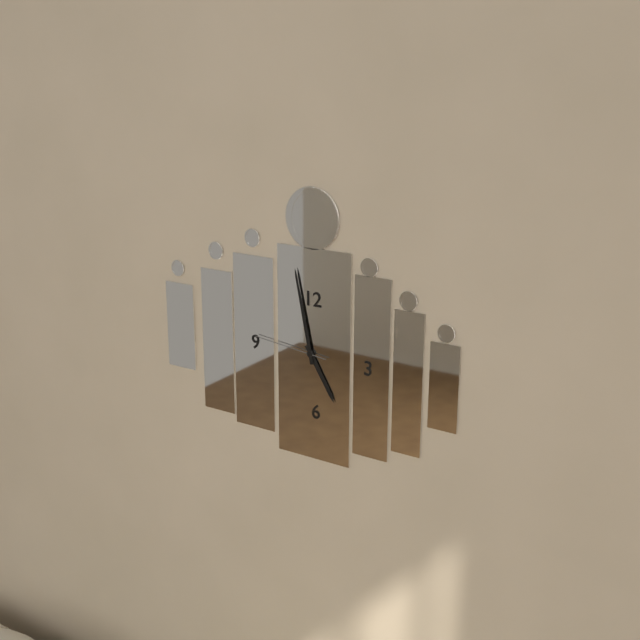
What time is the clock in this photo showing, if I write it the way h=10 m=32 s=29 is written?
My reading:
h=4 m=58 s=46
